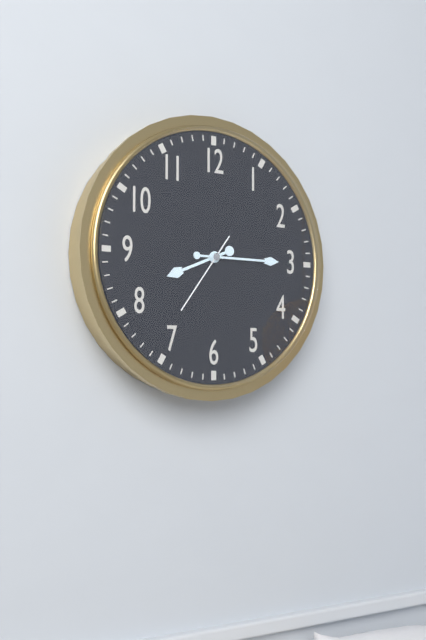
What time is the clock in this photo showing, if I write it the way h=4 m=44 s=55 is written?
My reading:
h=8 m=15 s=36
